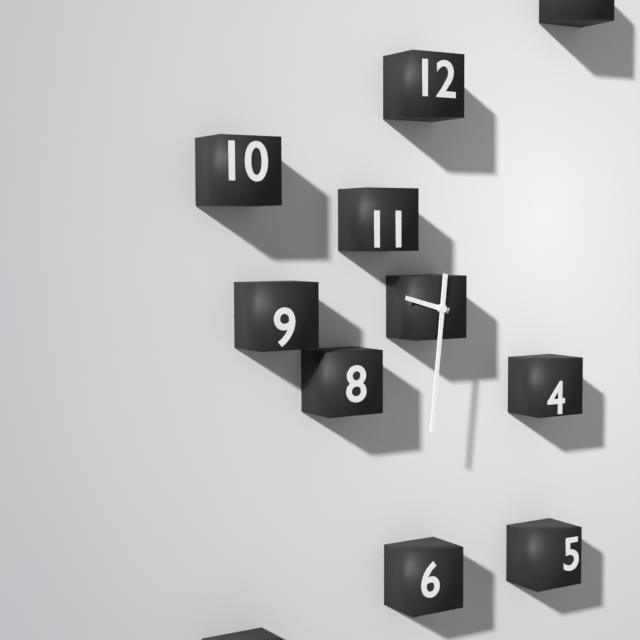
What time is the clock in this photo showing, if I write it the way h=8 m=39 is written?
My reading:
h=9 m=31
